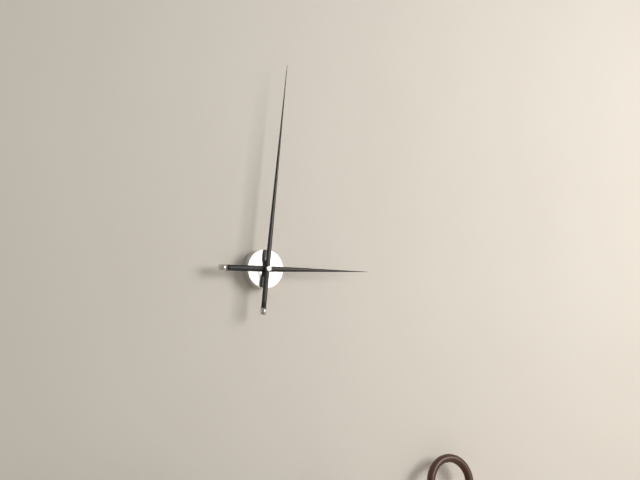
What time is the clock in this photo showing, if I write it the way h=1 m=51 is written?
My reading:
h=3 m=1
